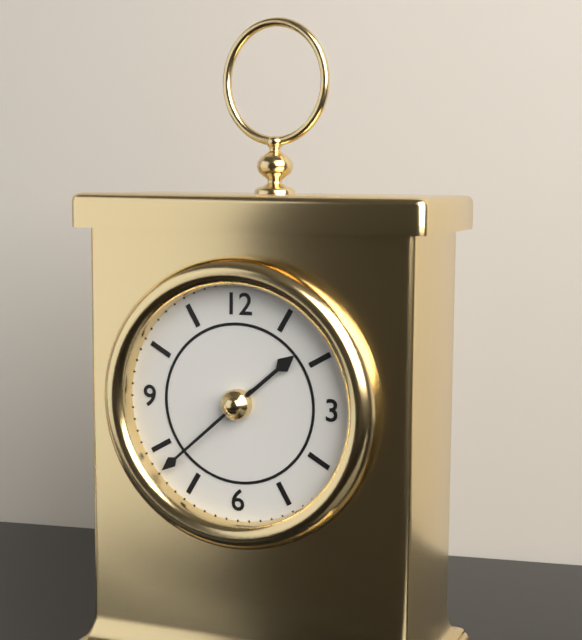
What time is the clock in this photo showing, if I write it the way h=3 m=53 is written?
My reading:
h=1 m=38
